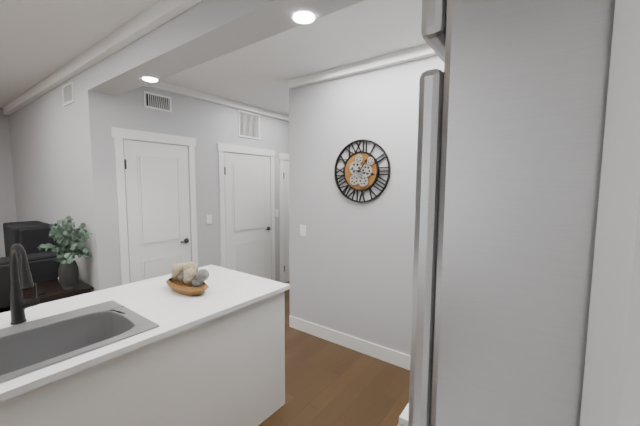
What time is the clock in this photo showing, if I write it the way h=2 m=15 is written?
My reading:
h=1 m=17
